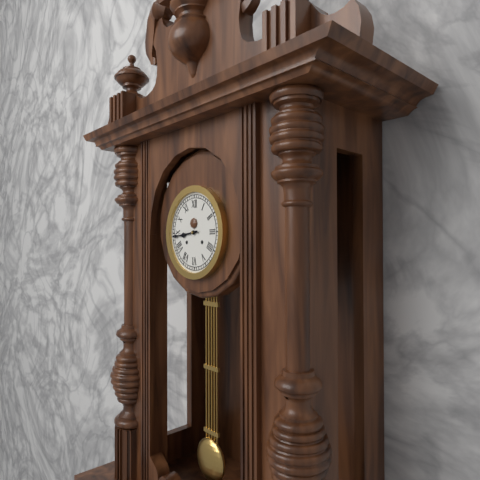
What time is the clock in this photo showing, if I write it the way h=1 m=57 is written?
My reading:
h=8 m=44
